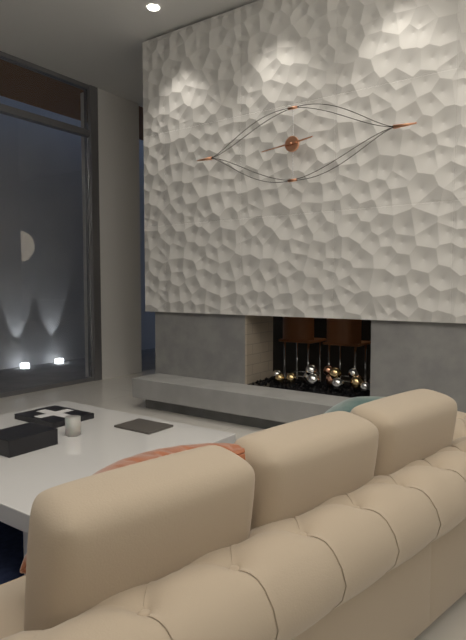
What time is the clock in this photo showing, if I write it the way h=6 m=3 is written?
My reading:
h=2 m=44
